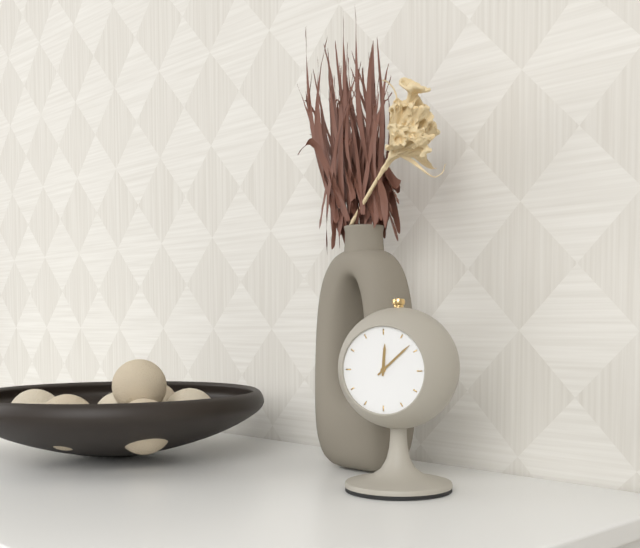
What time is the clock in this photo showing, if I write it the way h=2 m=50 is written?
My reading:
h=12 m=8
